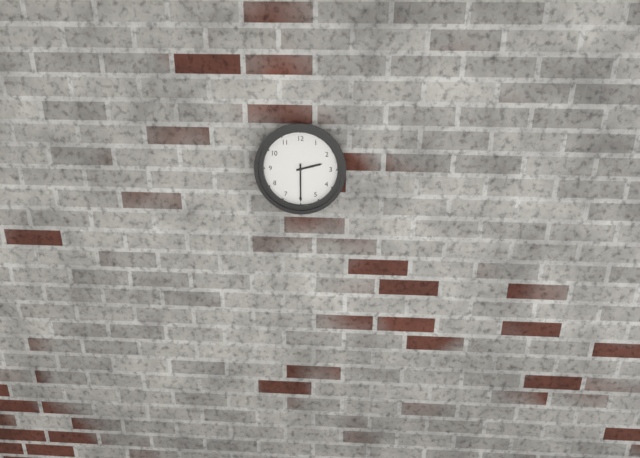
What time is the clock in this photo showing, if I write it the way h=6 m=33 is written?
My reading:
h=2 m=30
